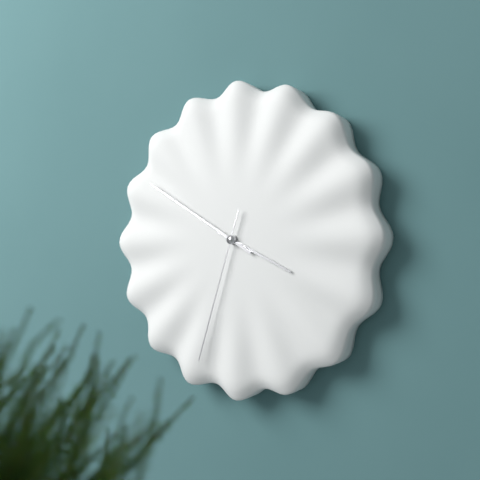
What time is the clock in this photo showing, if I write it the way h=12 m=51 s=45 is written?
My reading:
h=3 m=50 s=33
